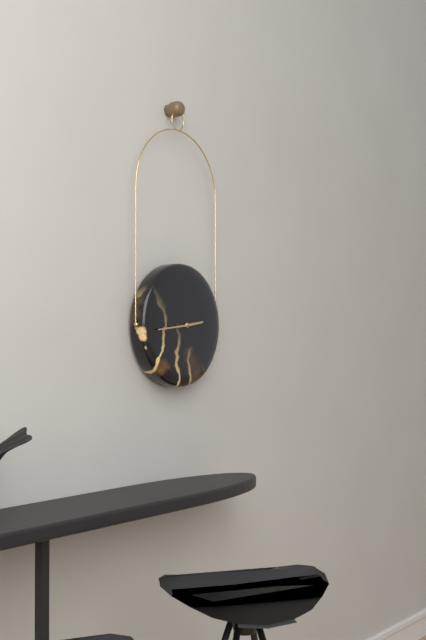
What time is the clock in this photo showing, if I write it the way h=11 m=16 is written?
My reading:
h=2 m=44
